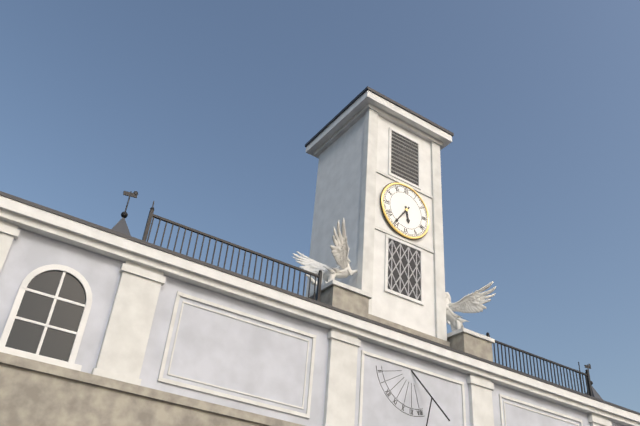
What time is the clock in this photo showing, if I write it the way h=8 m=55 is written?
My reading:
h=5 m=36
